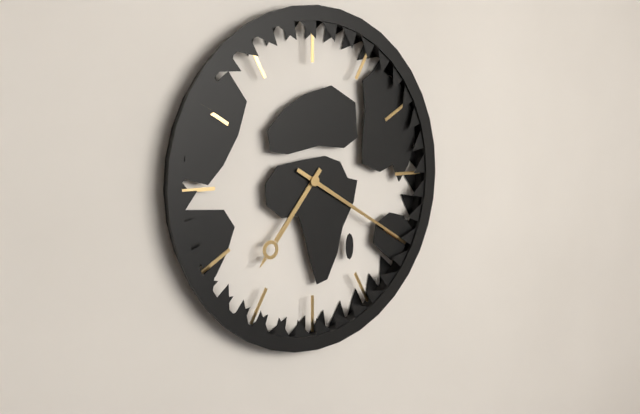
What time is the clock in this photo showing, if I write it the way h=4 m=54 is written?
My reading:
h=7 m=20
